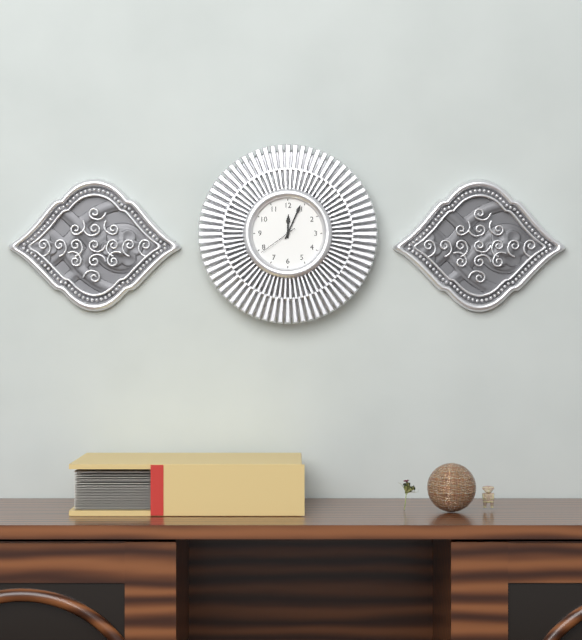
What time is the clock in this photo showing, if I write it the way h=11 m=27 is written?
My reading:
h=12 m=4
